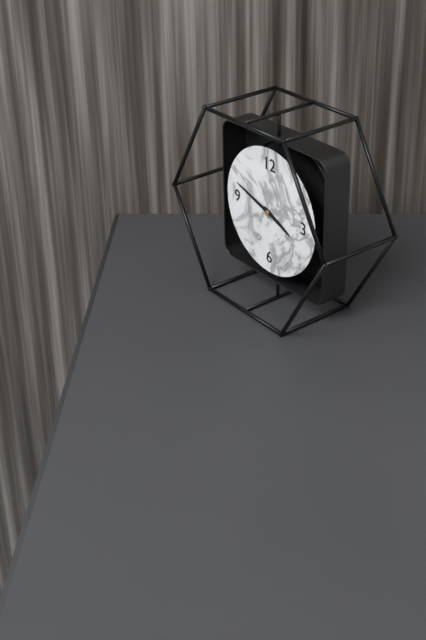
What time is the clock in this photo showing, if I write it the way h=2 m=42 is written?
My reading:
h=3 m=48
